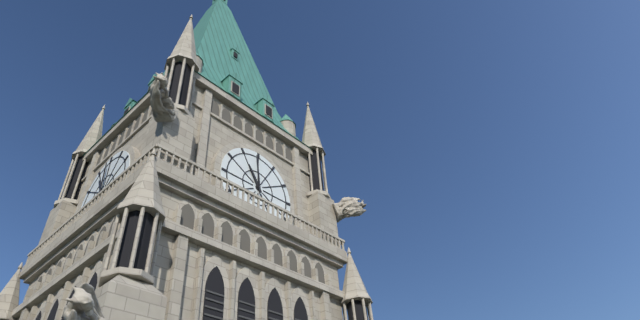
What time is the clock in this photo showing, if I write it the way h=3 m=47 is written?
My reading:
h=10 m=59
